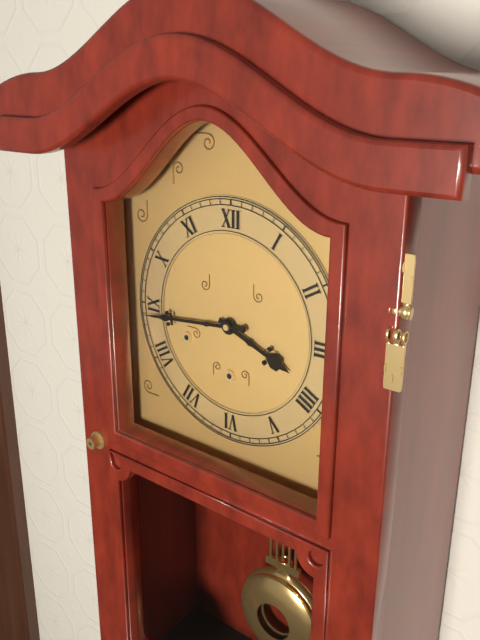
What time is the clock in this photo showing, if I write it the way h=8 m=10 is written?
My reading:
h=3 m=44
